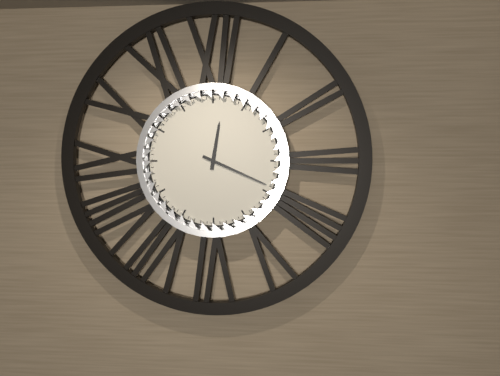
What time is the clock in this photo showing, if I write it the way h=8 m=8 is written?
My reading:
h=12 m=19
